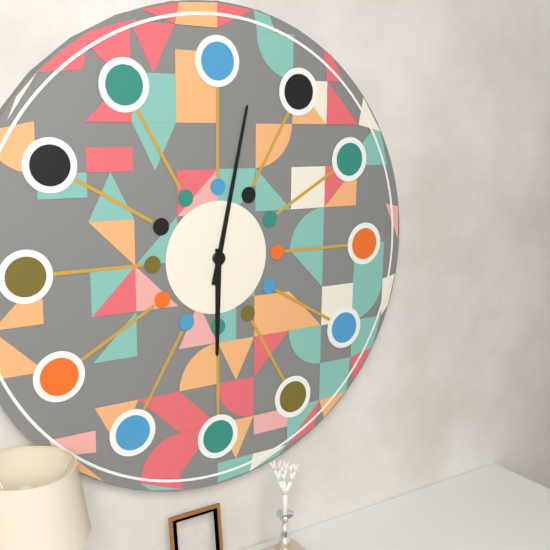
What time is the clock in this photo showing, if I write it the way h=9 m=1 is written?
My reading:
h=6 m=2
